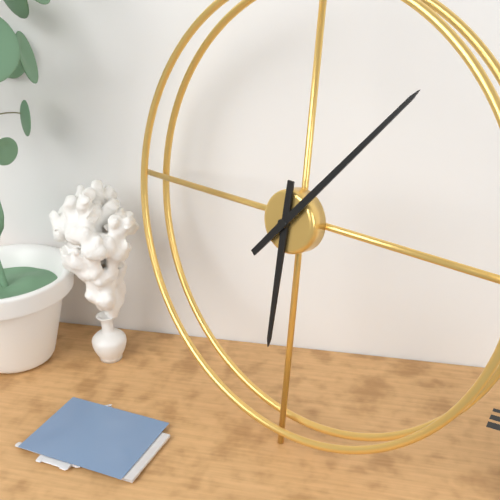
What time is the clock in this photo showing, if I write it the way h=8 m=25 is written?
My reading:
h=6 m=7
